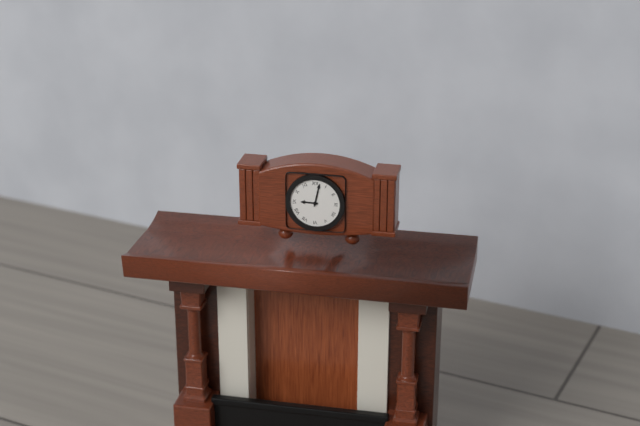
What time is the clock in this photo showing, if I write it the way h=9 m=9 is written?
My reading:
h=9 m=2
